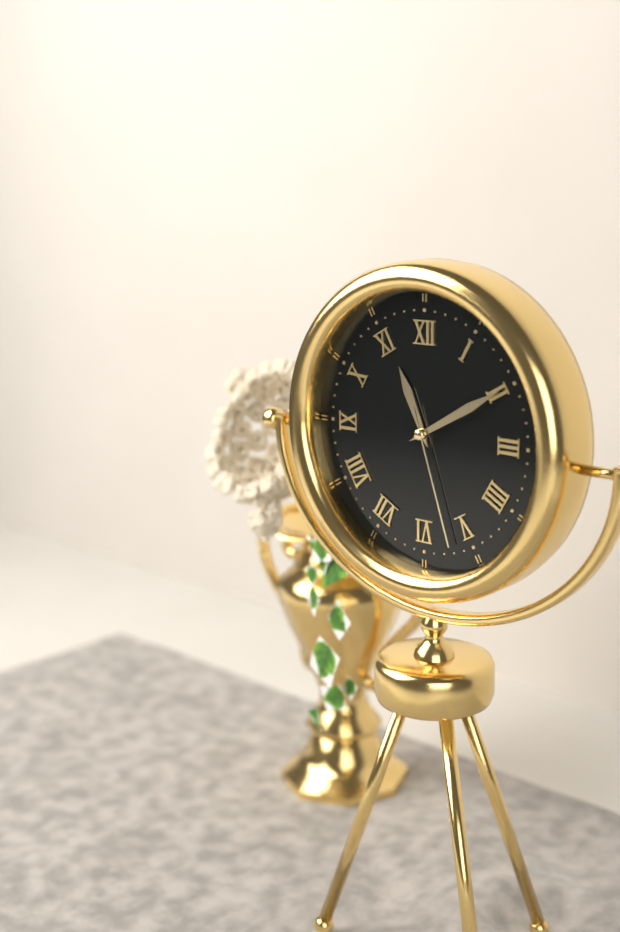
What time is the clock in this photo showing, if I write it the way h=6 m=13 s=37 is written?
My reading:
h=11 m=10 s=27
